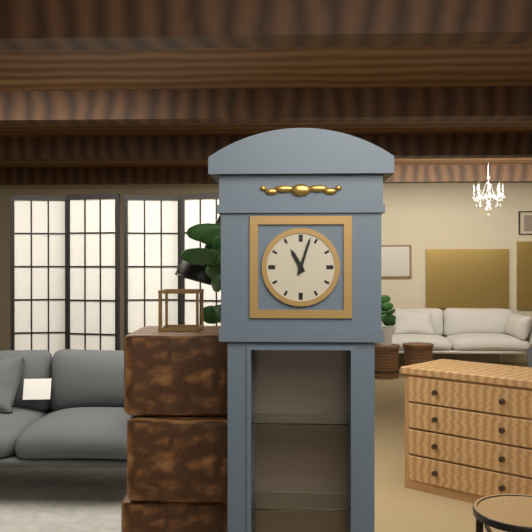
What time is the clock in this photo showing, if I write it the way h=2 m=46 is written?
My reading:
h=11 m=3
